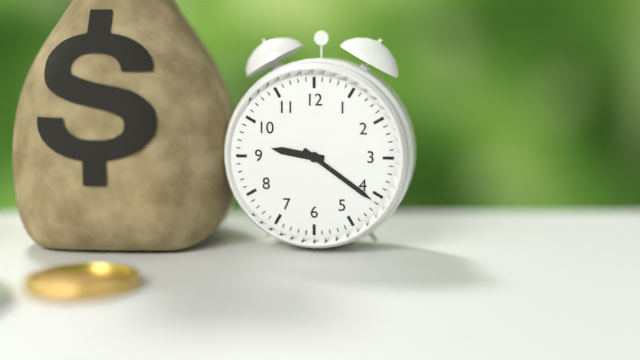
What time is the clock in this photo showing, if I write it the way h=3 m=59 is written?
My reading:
h=9 m=21
